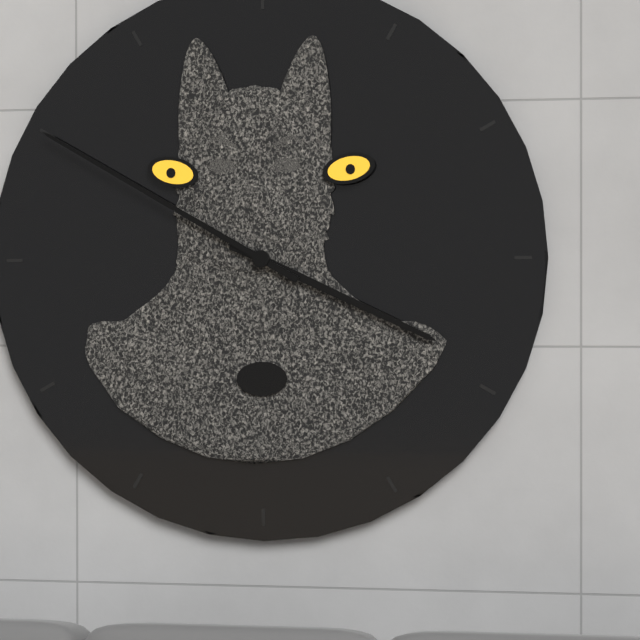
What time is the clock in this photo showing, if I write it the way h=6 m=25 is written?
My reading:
h=3 m=50
